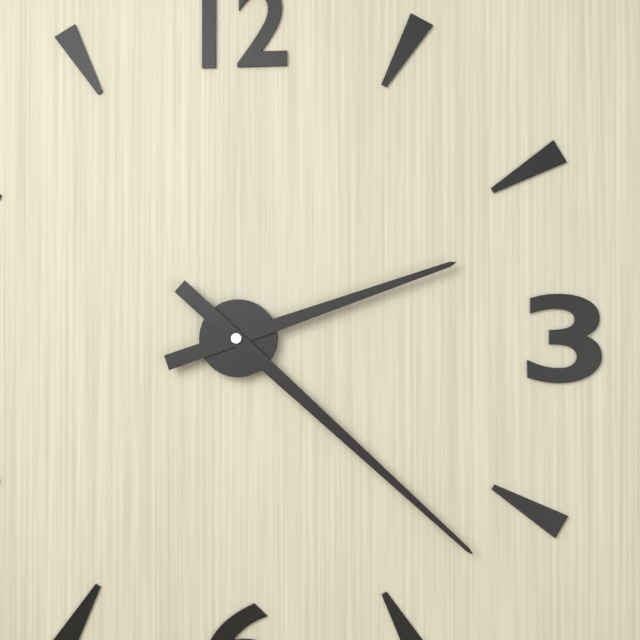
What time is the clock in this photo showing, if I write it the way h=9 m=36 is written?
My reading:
h=2 m=22
